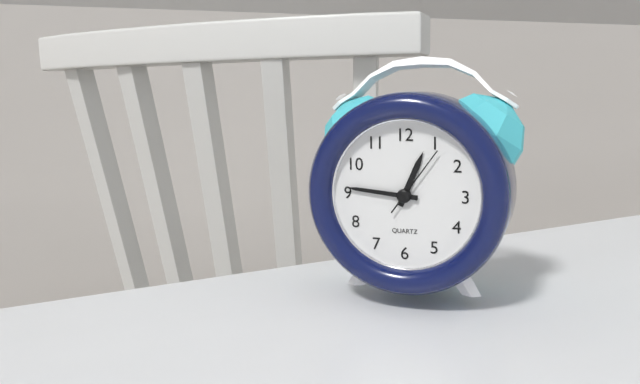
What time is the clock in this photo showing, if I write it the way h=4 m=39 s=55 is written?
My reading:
h=12 m=46 s=6
